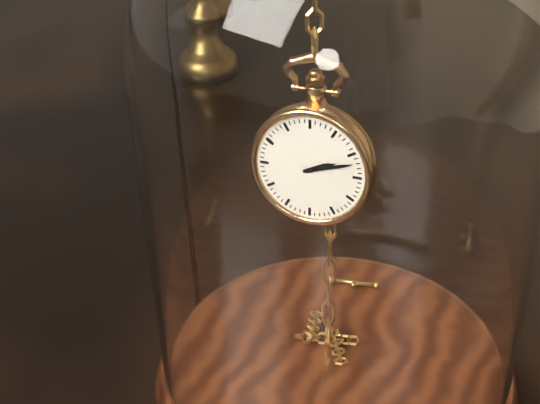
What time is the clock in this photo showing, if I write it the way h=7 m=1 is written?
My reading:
h=2 m=12
